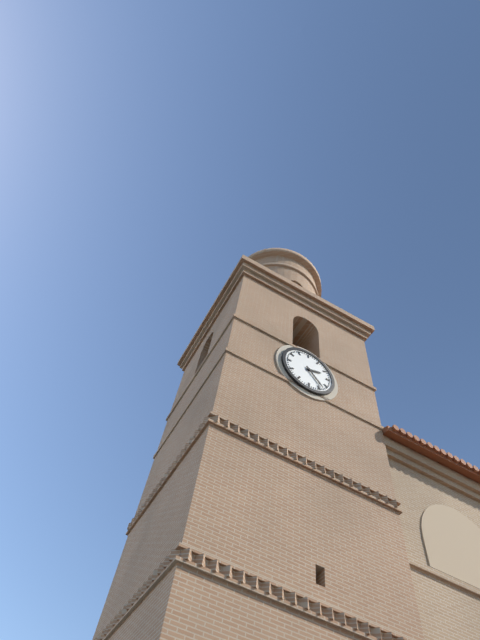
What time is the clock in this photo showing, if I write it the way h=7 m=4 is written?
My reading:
h=2 m=23
